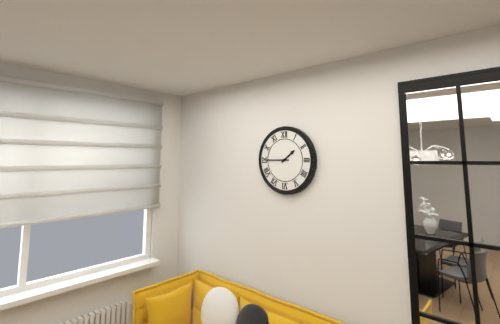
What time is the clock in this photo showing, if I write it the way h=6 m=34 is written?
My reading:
h=1 m=45
